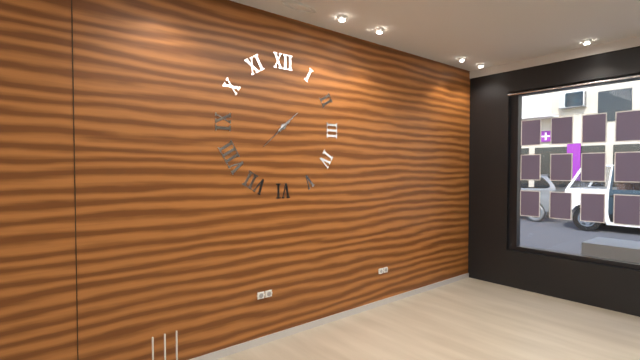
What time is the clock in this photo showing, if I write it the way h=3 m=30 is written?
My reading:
h=1 m=38
